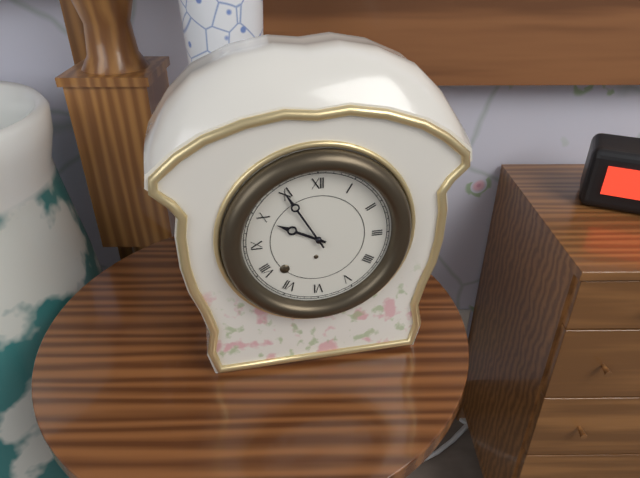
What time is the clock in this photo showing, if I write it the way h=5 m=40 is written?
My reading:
h=9 m=55
